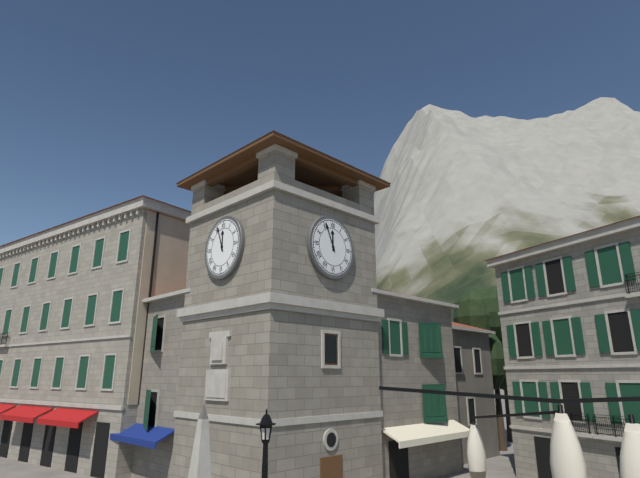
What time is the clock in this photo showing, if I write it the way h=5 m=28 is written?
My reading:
h=11 m=56
